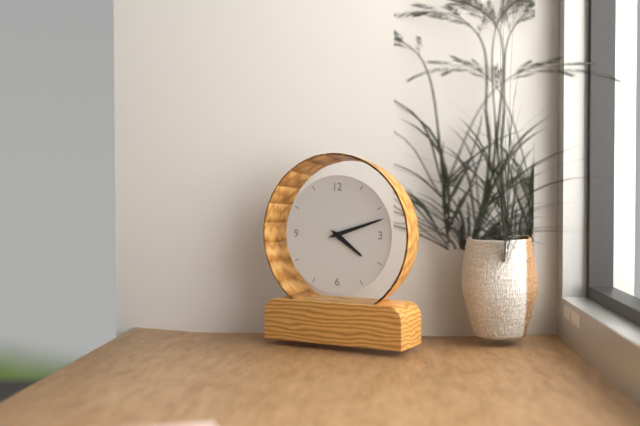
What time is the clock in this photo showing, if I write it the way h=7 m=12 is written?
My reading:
h=4 m=12
